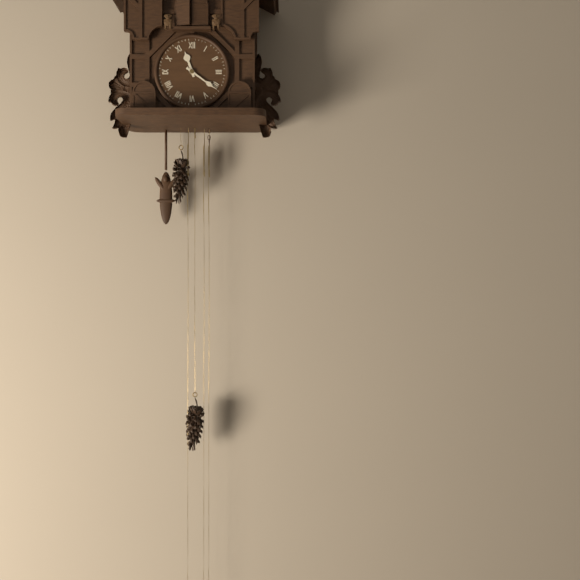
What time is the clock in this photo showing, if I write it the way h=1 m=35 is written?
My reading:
h=11 m=21
